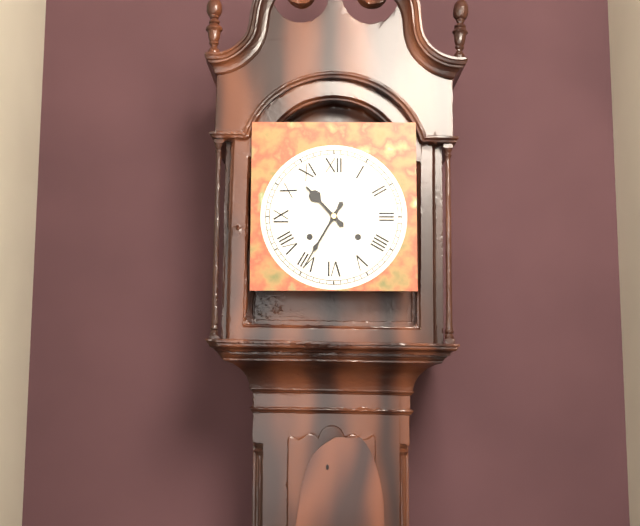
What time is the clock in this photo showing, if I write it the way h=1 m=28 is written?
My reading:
h=10 m=35
